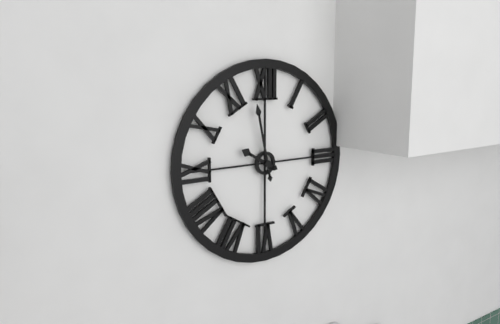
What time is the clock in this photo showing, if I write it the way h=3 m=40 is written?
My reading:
h=9 m=58
